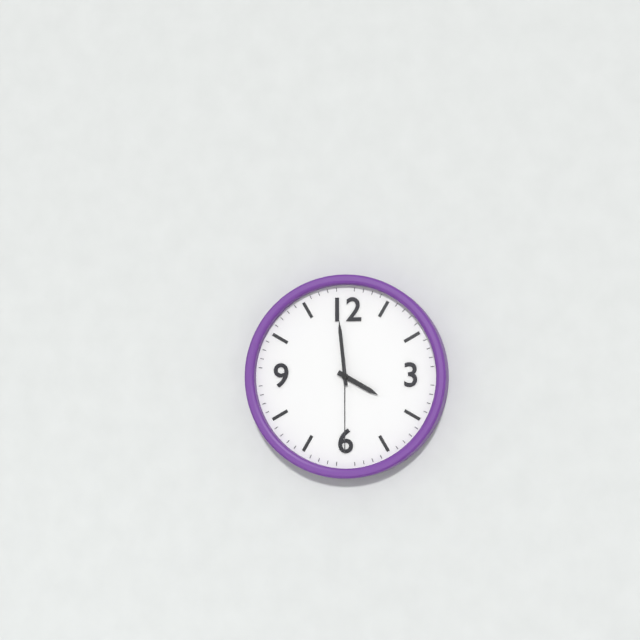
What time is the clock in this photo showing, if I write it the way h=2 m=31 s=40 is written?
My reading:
h=3 m=59 s=30
